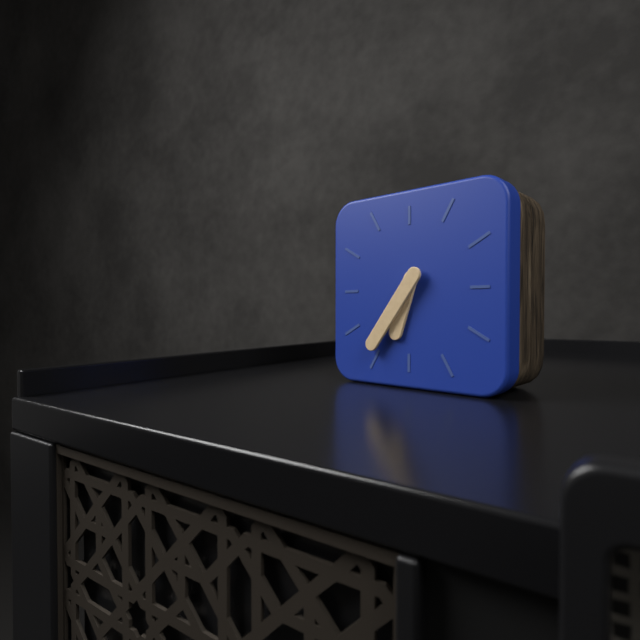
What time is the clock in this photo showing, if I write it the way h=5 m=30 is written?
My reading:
h=6 m=36
